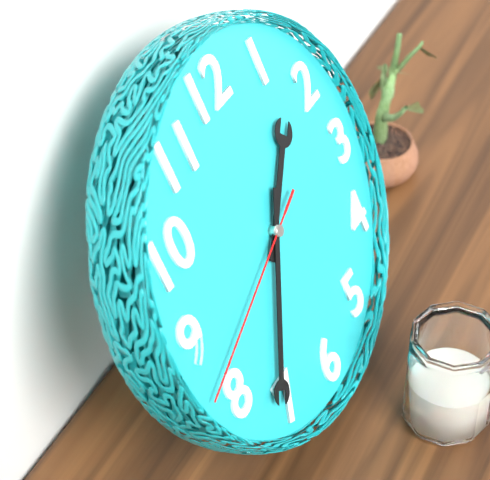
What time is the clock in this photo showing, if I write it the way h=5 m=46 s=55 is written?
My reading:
h=1 m=36 s=42
